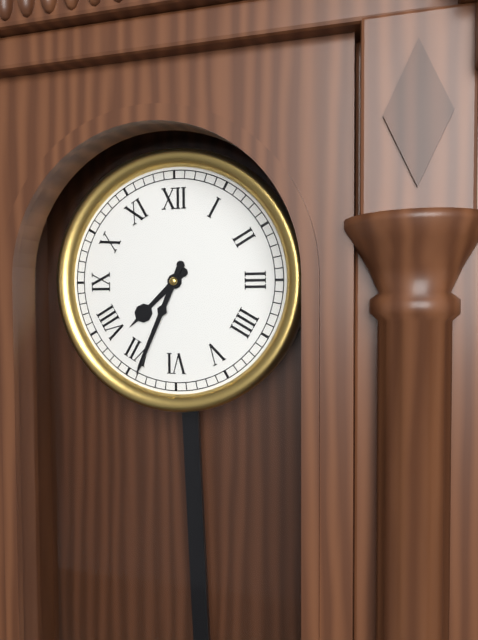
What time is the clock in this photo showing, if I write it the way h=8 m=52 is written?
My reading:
h=7 m=34
